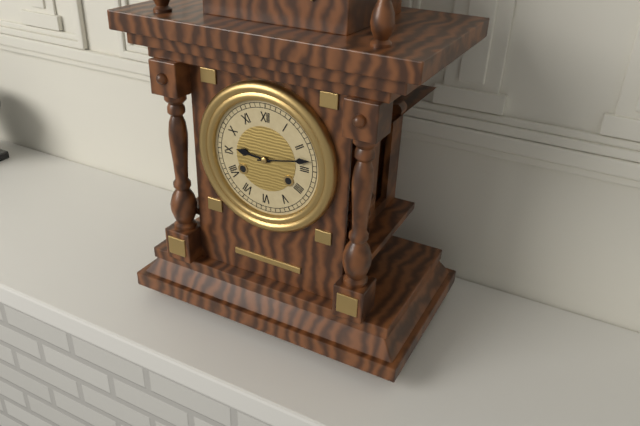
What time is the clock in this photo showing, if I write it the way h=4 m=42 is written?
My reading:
h=9 m=13
